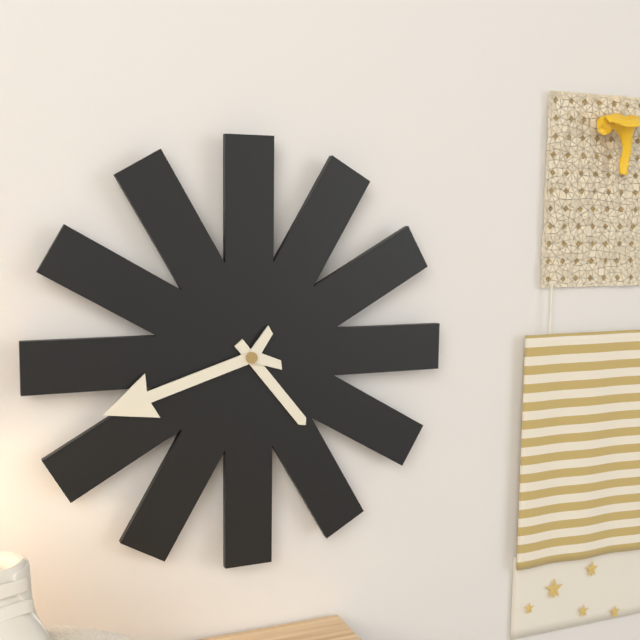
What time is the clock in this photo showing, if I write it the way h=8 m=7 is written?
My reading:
h=4 m=42
